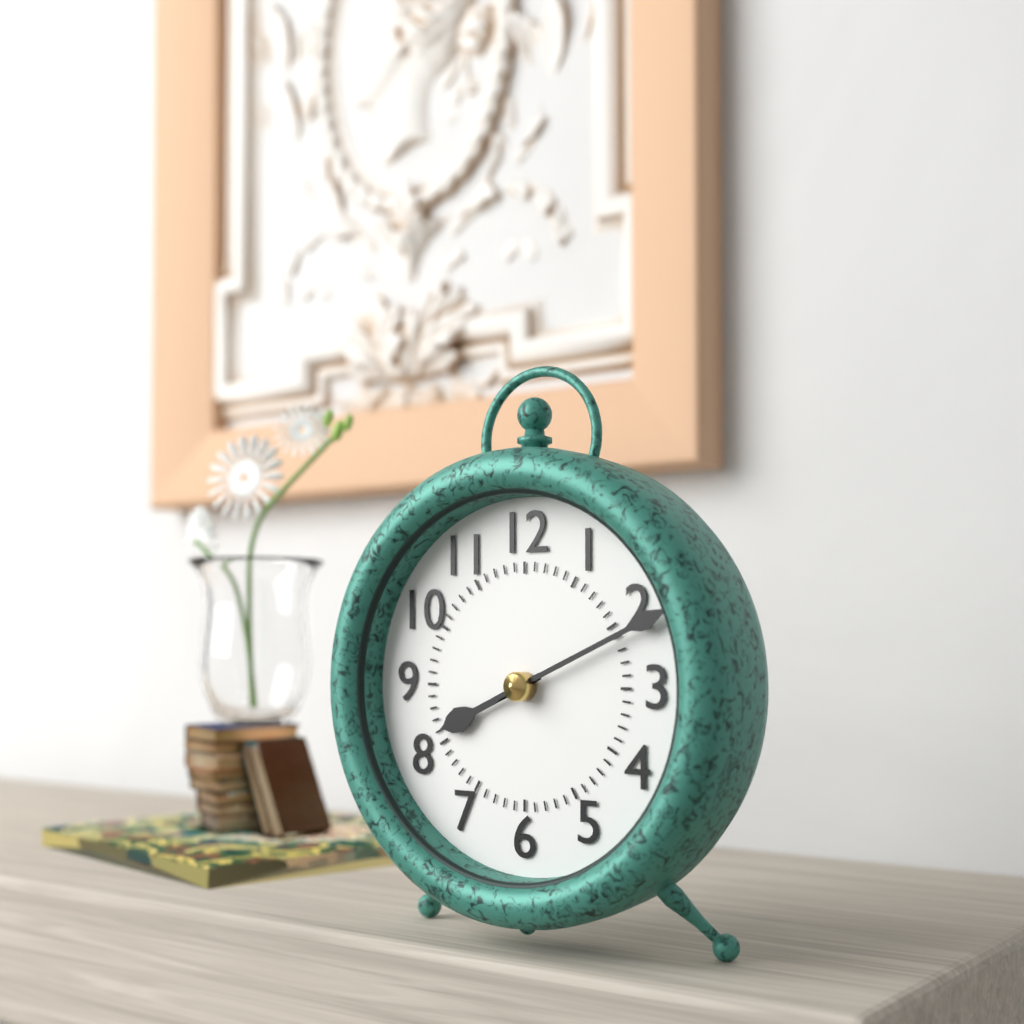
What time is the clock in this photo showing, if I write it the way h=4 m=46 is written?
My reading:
h=8 m=11
